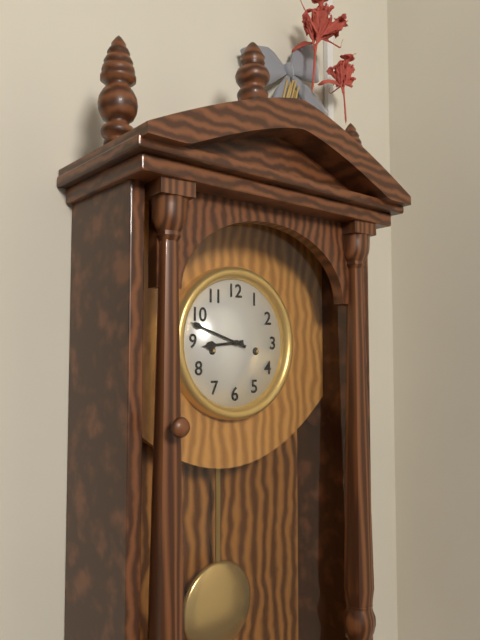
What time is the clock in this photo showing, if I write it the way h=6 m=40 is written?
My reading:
h=8 m=48
